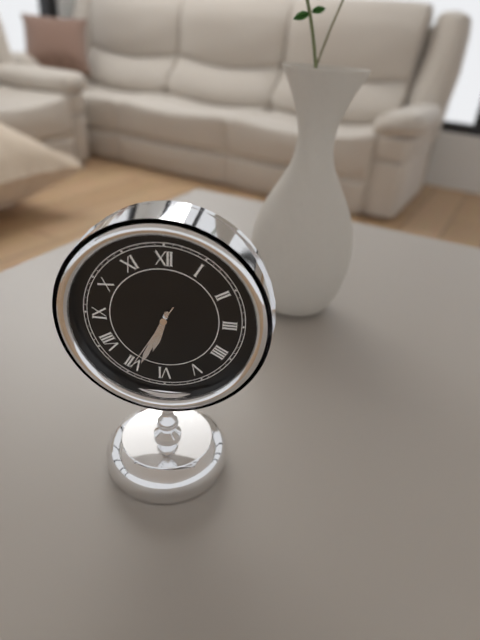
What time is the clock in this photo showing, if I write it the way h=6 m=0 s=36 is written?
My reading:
h=6 m=34 s=35
